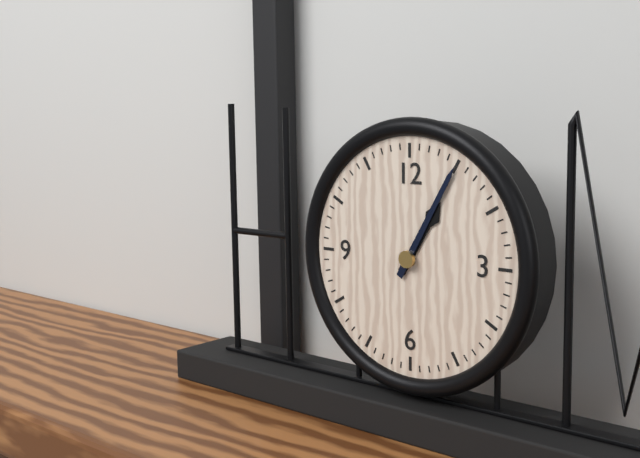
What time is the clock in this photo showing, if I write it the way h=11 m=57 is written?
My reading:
h=1 m=5
